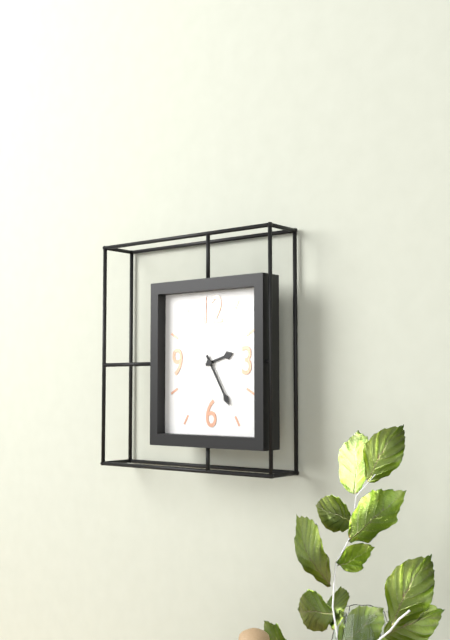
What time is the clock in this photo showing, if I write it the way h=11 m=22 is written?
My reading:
h=2 m=25
